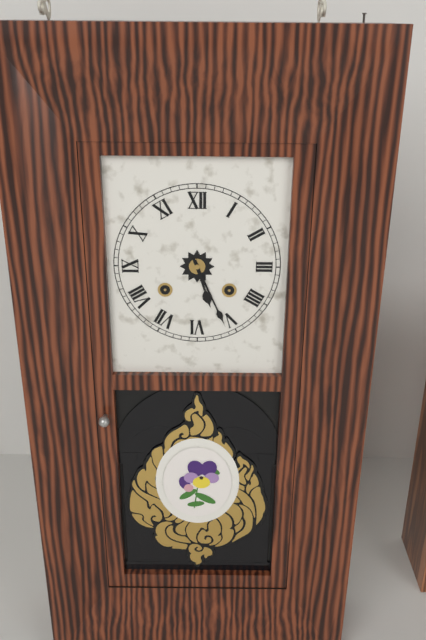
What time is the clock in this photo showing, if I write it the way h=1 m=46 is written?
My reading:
h=5 m=26
